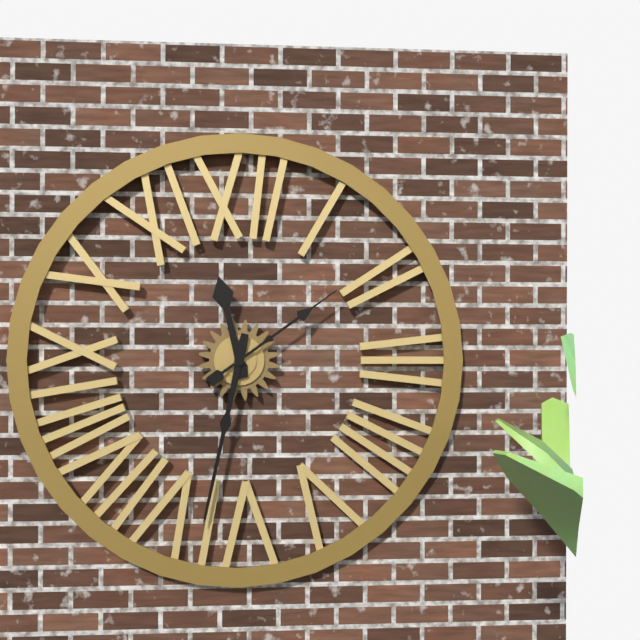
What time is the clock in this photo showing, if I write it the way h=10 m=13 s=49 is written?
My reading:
h=11 m=32 s=9
